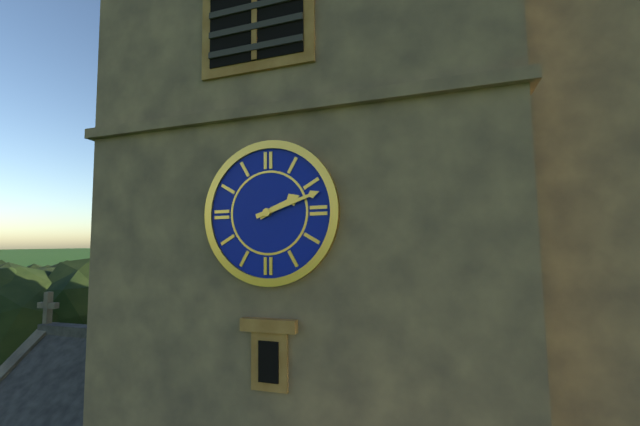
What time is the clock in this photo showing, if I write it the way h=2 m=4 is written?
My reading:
h=2 m=12
